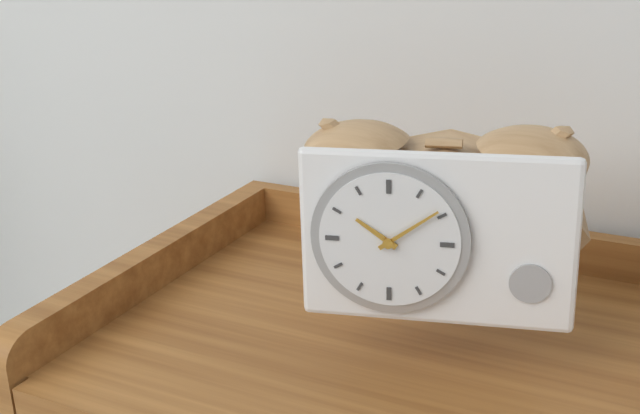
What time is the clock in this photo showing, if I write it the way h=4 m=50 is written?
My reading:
h=10 m=9
